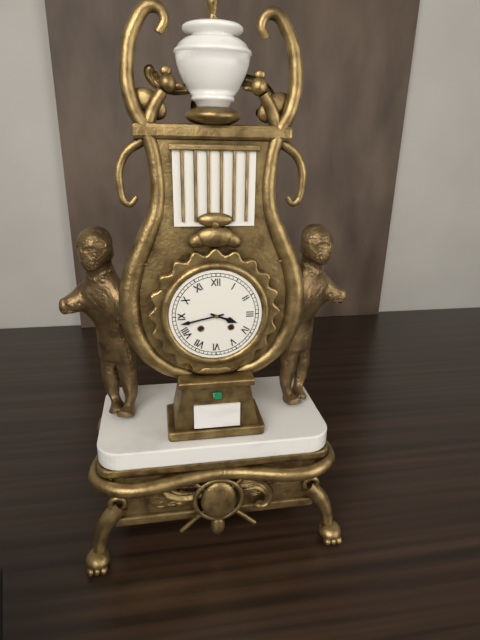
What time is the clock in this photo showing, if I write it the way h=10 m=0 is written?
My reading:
h=3 m=43
